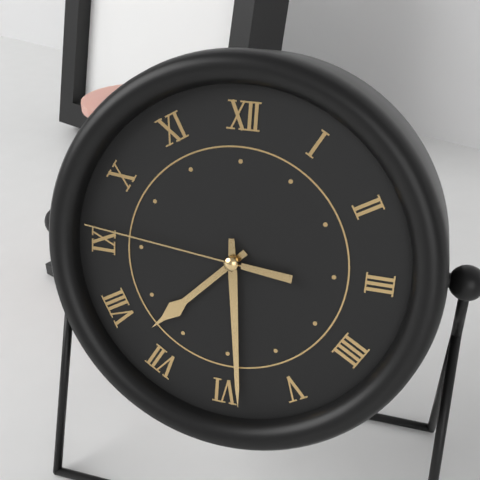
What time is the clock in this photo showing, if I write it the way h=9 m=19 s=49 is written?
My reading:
h=7 m=29 s=46
